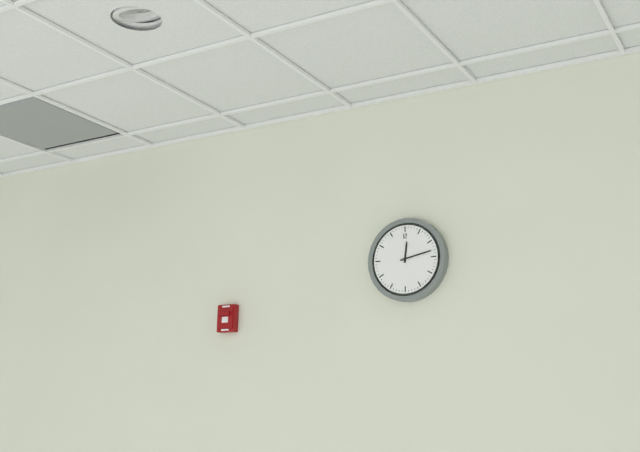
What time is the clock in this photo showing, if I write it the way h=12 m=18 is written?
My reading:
h=12 m=13
